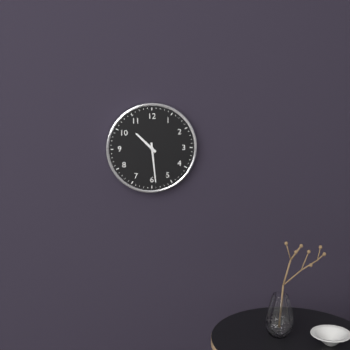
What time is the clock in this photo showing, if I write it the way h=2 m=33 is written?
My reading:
h=10 m=29
